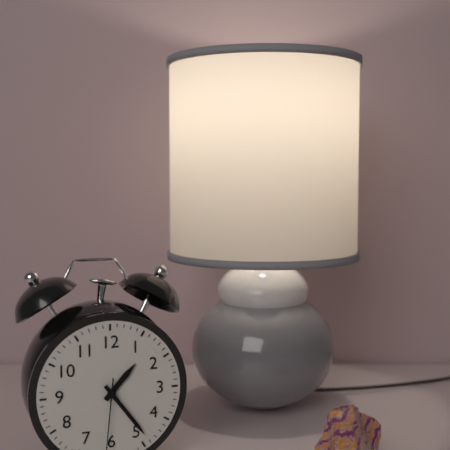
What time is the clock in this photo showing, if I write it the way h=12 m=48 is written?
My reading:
h=1 m=24
